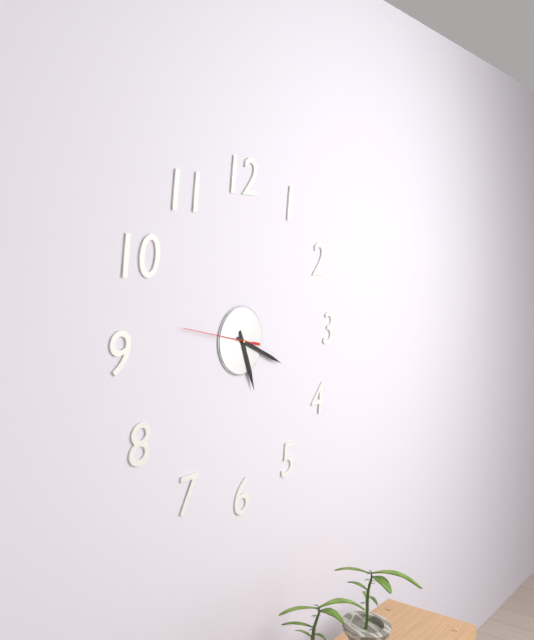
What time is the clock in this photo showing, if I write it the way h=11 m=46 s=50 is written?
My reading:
h=5 m=19 s=47
